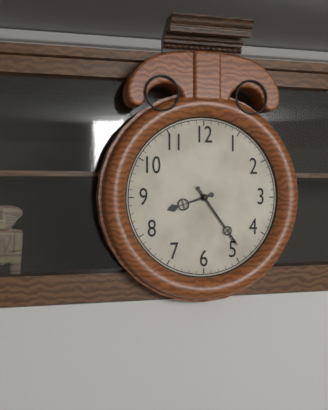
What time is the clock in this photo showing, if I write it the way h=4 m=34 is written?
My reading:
h=8 m=24
